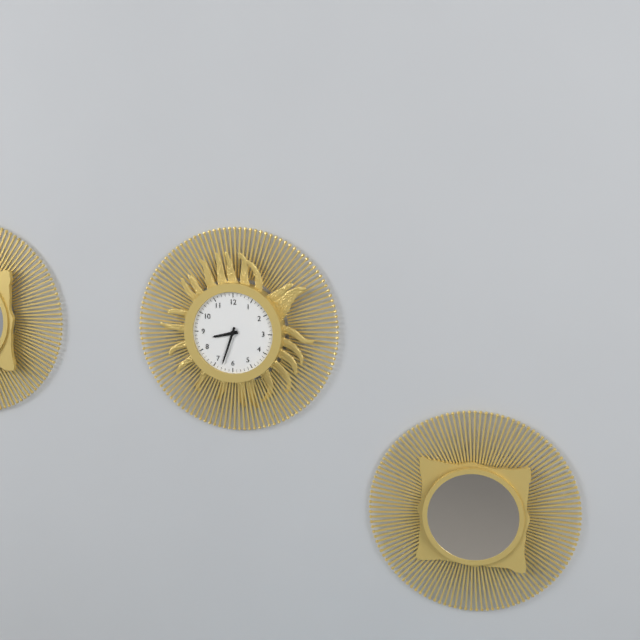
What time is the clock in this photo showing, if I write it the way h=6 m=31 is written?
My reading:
h=8 m=33
